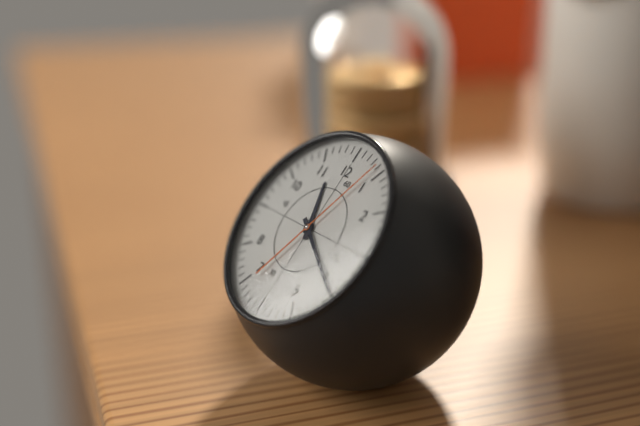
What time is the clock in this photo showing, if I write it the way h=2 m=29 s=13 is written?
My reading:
h=11 m=20 s=4
